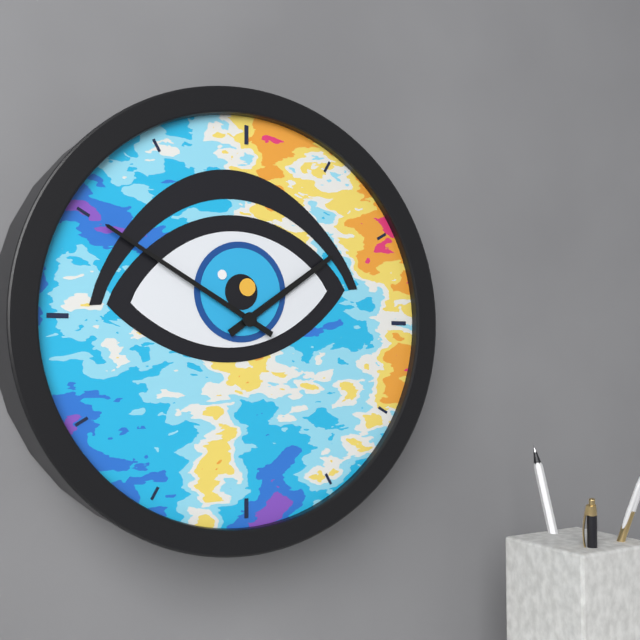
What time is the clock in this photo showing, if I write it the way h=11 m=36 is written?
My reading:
h=1 m=50
